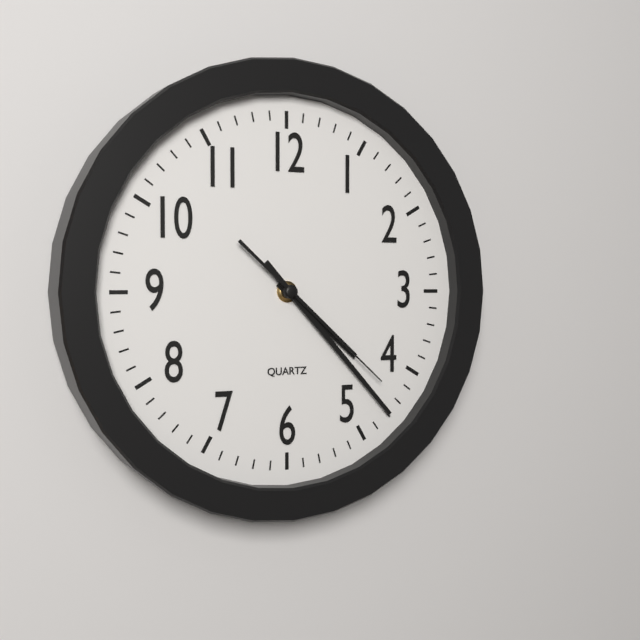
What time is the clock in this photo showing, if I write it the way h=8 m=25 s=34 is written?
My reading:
h=4 m=23 s=22
